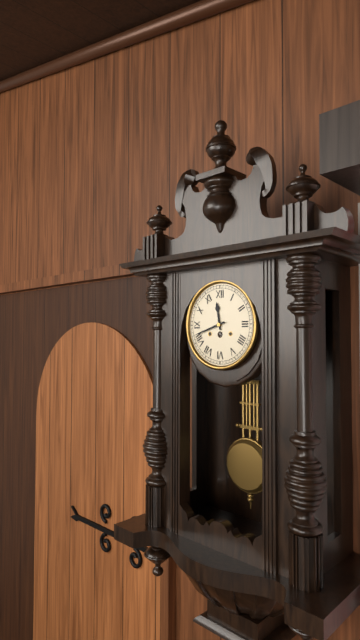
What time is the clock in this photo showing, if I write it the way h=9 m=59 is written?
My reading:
h=11 m=42
